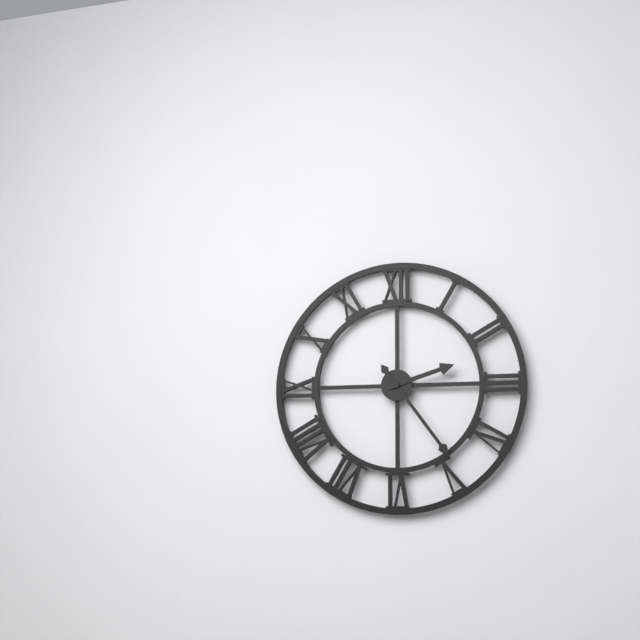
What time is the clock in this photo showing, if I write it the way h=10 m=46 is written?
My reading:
h=2 m=24
